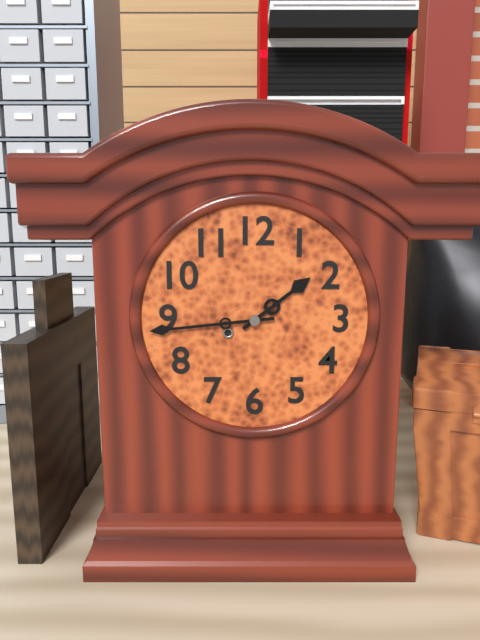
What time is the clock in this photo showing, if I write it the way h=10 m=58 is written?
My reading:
h=1 m=44
